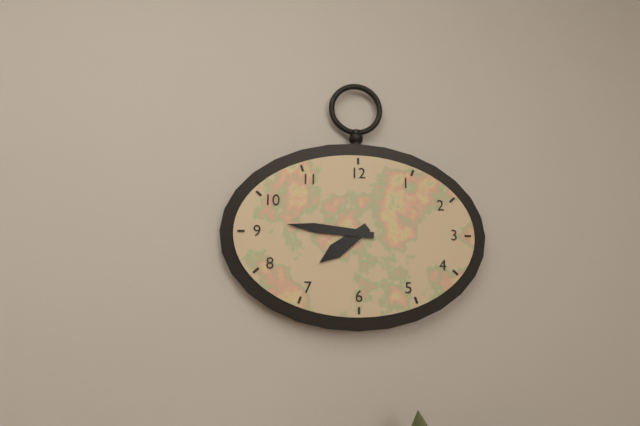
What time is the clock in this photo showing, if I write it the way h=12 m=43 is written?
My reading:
h=7 m=46
